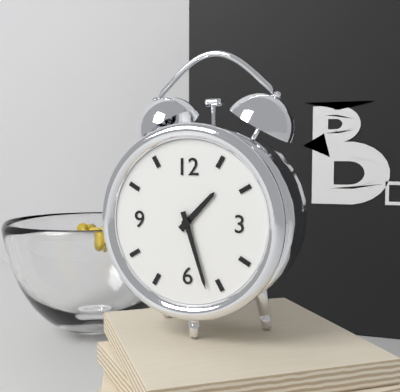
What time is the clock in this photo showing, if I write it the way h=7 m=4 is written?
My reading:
h=1 m=27
